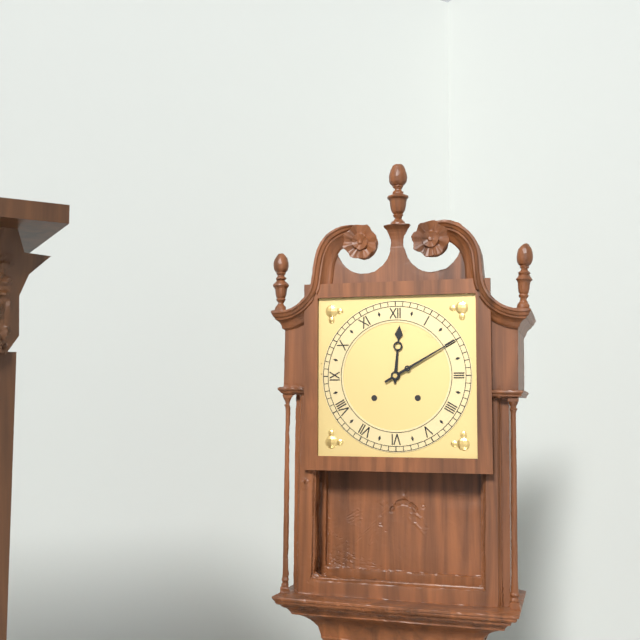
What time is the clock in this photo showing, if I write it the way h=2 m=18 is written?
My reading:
h=12 m=10
